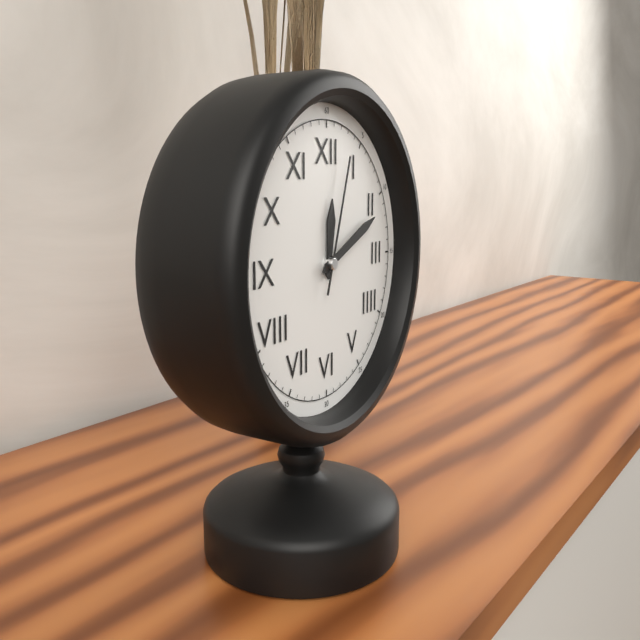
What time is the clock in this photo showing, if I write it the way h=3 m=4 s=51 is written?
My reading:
h=12 m=11 s=3
